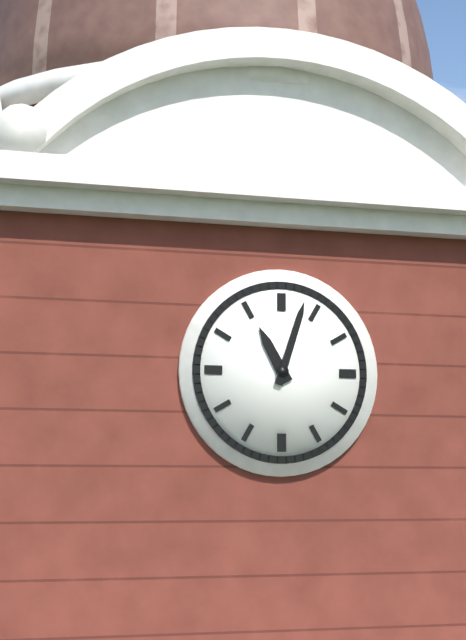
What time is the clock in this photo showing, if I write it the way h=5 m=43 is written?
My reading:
h=11 m=3
